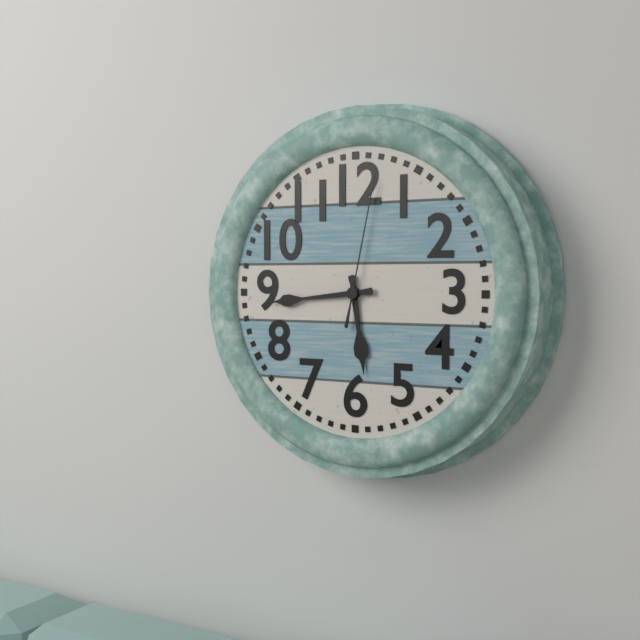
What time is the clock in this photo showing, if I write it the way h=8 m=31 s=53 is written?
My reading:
h=5 m=44 s=2
